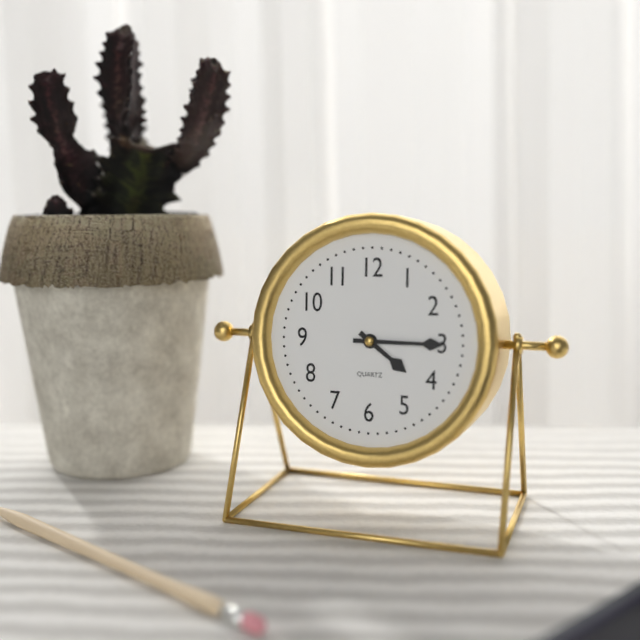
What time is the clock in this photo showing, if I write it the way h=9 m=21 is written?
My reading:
h=4 m=15
